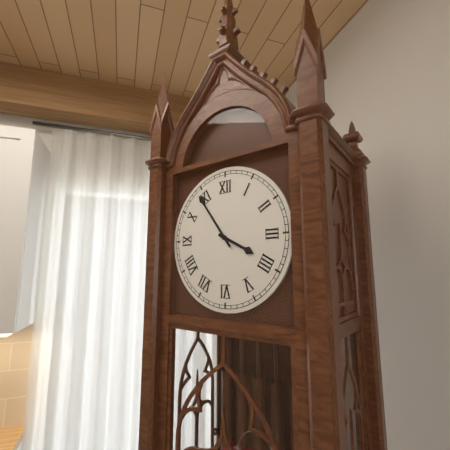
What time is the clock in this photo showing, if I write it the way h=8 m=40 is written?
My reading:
h=3 m=54
